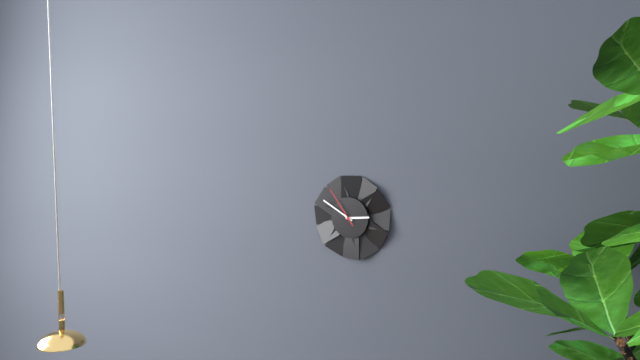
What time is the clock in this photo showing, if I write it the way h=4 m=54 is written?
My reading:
h=2 m=50
